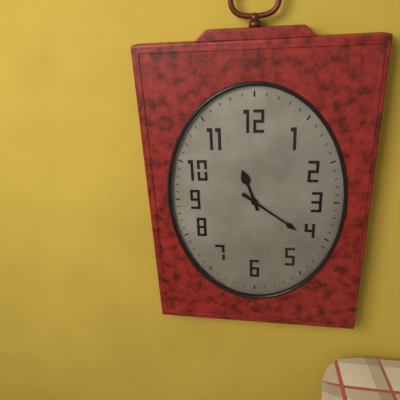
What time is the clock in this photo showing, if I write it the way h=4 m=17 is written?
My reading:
h=11 m=21
